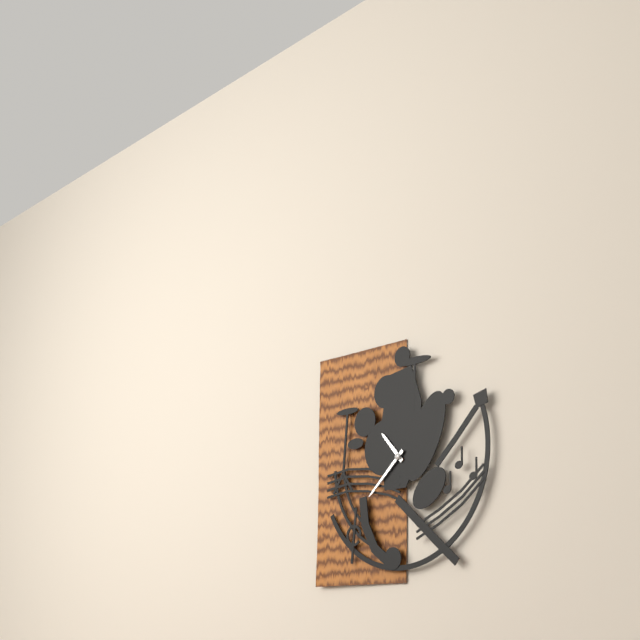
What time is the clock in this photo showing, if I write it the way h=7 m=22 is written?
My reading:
h=10 m=38
